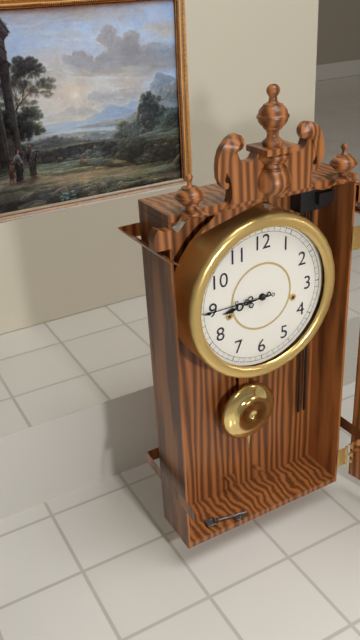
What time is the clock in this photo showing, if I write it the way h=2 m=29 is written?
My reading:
h=8 m=45
